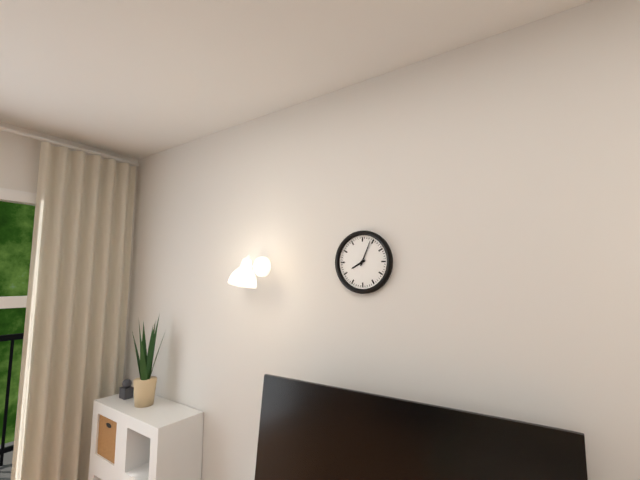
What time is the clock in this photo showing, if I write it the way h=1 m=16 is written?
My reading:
h=8 m=4
